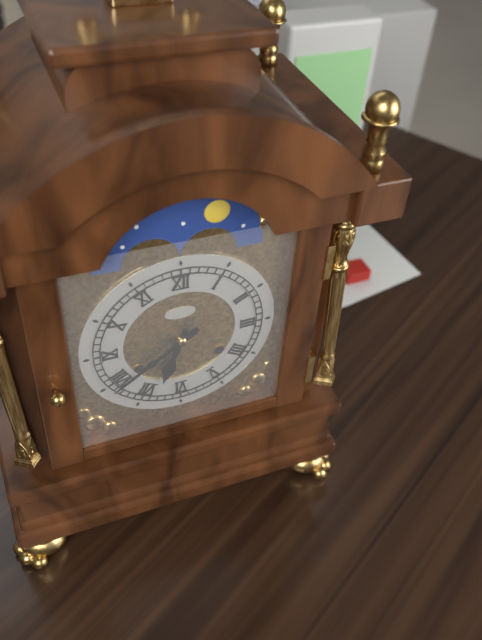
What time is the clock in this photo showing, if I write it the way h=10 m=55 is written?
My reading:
h=6 m=39
